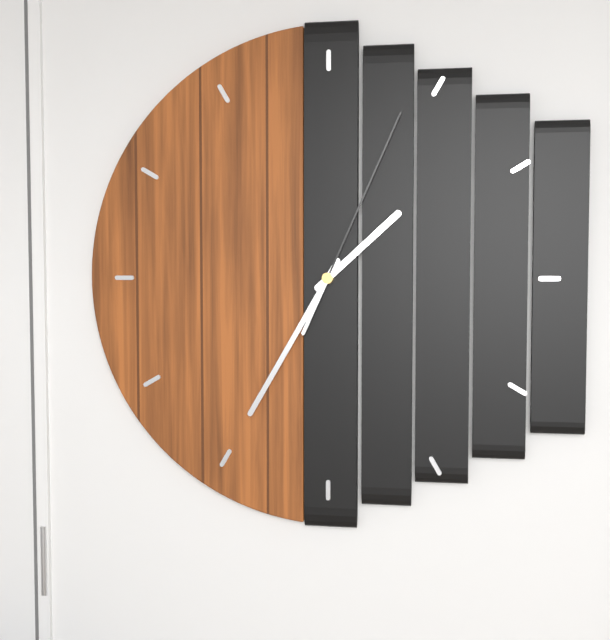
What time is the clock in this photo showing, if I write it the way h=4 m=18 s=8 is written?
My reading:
h=1 m=35 s=4
